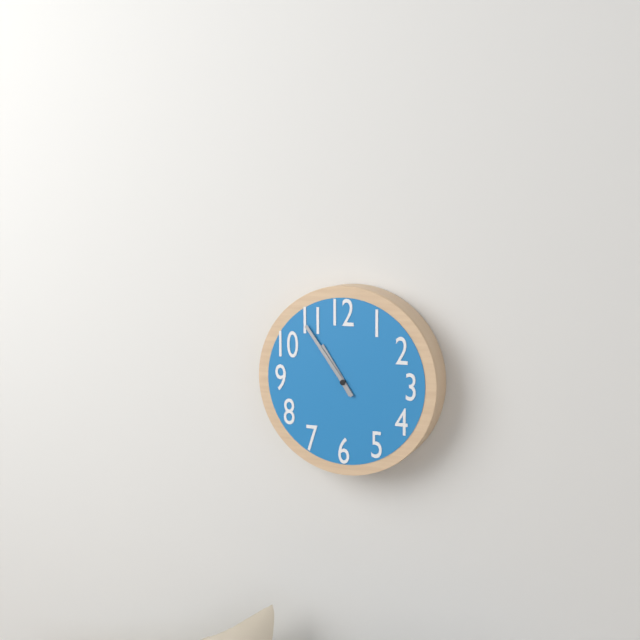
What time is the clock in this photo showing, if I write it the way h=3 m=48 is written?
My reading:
h=10 m=54
